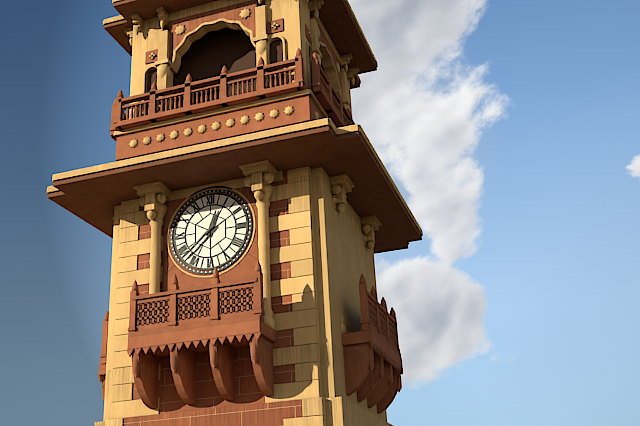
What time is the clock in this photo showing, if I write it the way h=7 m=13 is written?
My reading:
h=12 m=38
